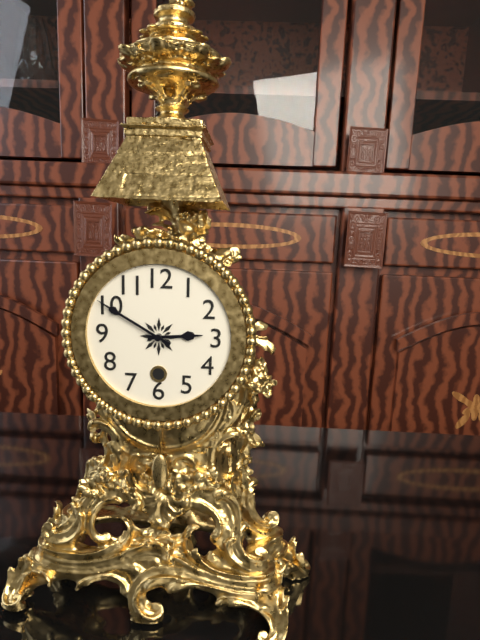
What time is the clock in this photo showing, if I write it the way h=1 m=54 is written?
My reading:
h=2 m=50
